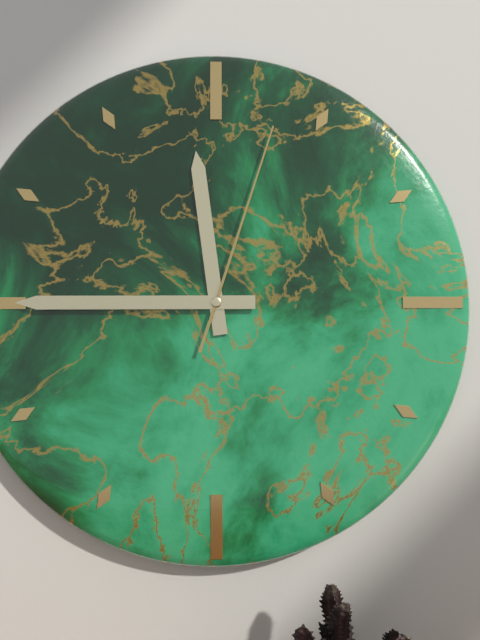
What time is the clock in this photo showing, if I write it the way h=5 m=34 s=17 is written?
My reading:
h=11 m=45 s=3
